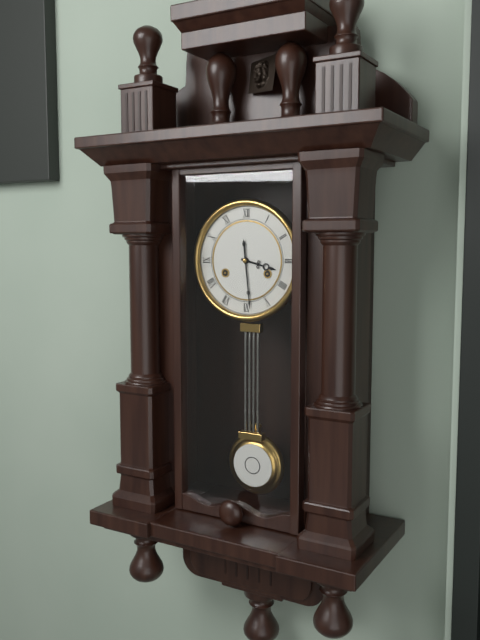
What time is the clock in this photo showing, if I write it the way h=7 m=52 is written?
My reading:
h=3 m=29
